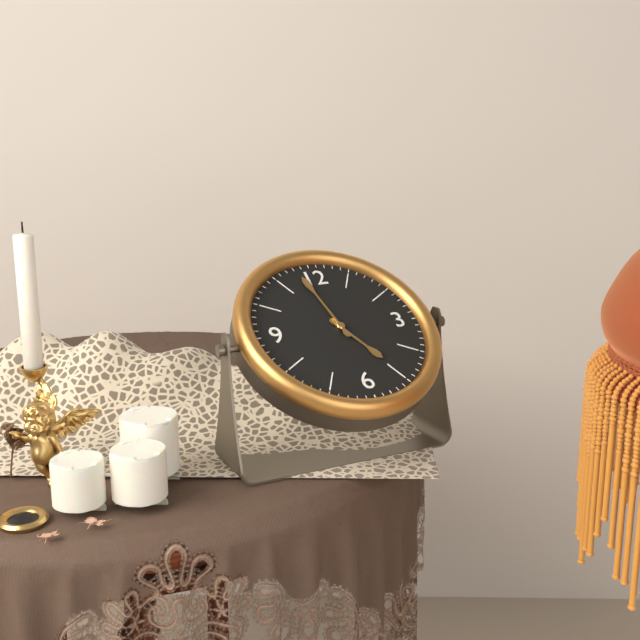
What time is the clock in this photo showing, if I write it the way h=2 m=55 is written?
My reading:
h=4 m=58
